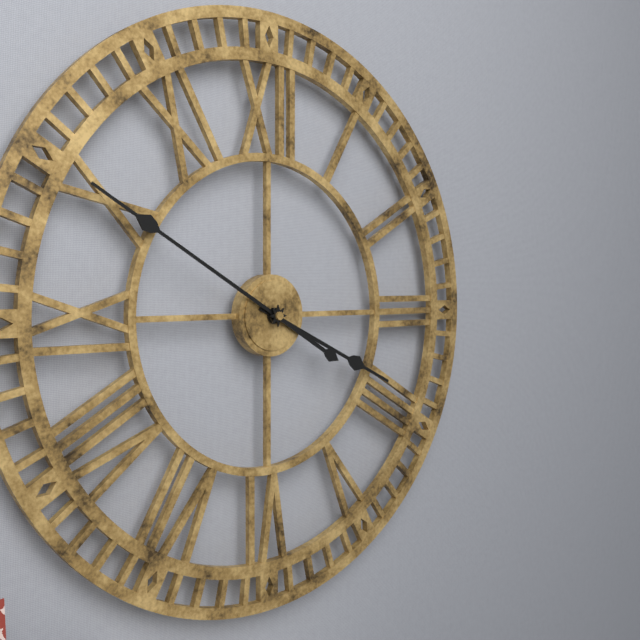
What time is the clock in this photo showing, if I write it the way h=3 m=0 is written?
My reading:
h=3 m=50
